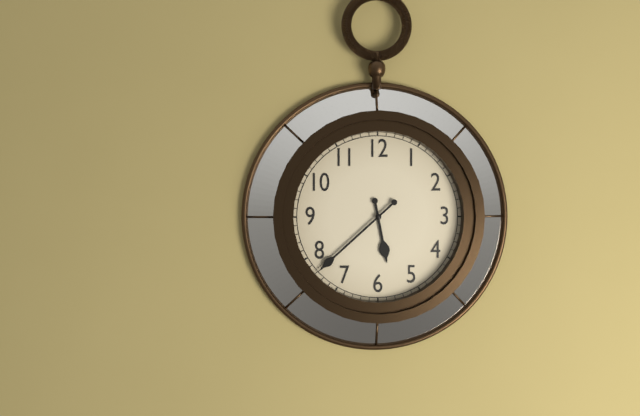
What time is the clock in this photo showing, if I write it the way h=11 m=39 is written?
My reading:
h=5 m=38
